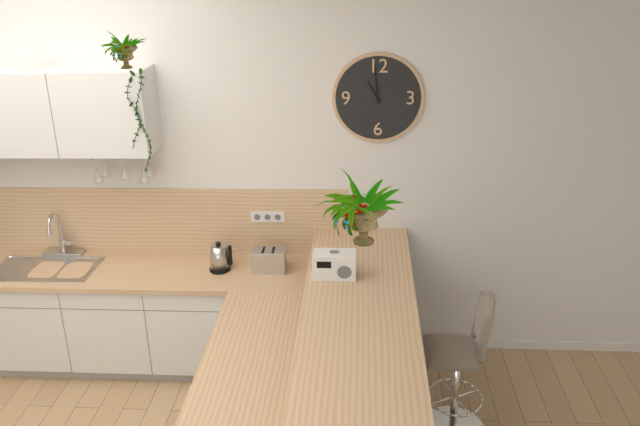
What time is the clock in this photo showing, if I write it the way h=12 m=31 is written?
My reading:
h=10 m=59
